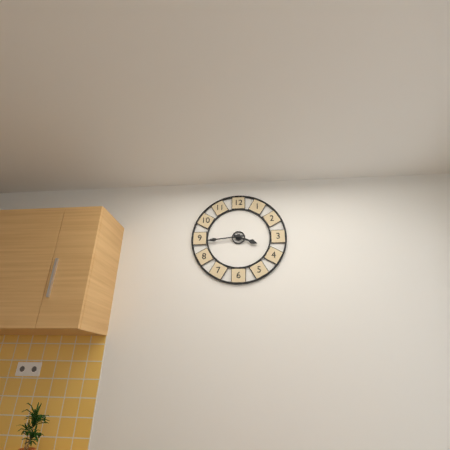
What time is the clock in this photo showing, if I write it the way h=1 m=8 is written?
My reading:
h=3 m=44
